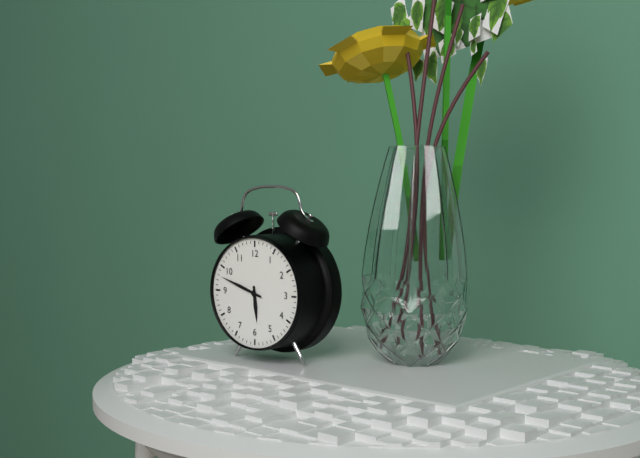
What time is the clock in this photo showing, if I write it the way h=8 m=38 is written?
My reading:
h=5 m=48
